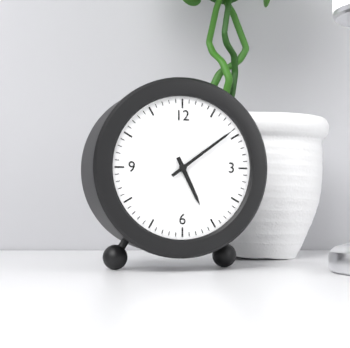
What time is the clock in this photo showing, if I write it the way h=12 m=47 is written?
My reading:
h=5 m=9
